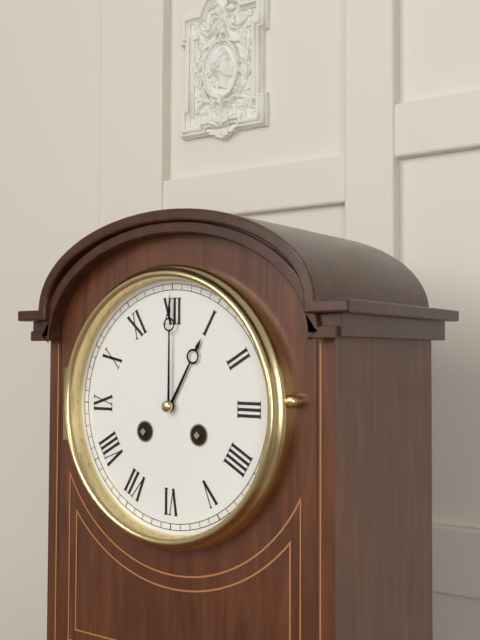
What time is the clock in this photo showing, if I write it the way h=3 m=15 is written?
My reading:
h=1 m=0
